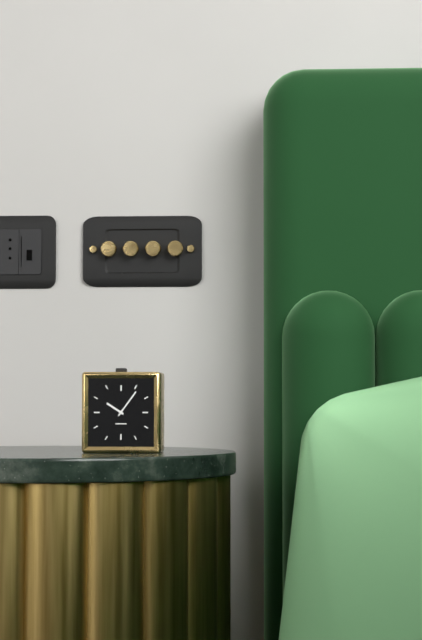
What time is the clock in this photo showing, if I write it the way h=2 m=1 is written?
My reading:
h=10 m=6
